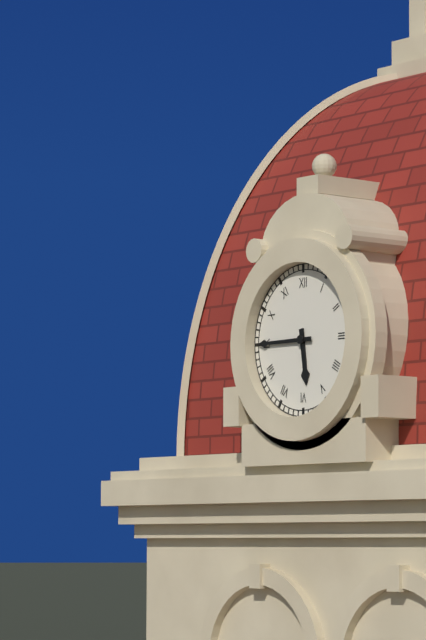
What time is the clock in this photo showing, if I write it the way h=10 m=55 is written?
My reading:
h=5 m=45
